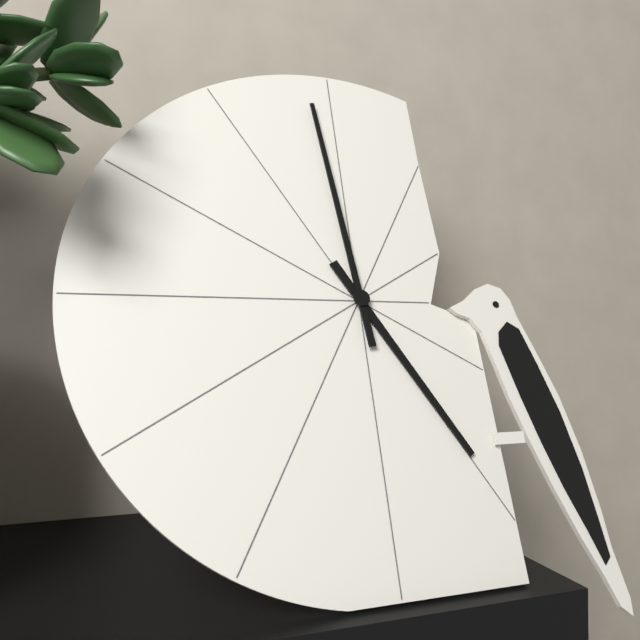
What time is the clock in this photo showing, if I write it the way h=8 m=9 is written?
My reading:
h=4 m=59
